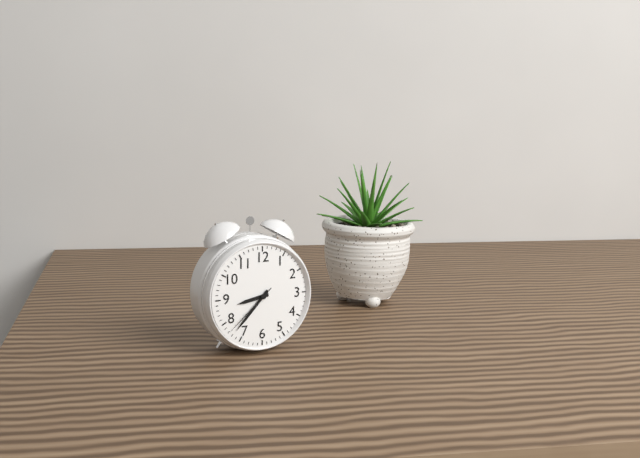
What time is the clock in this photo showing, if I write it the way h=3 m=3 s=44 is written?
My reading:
h=8 m=37 s=38
